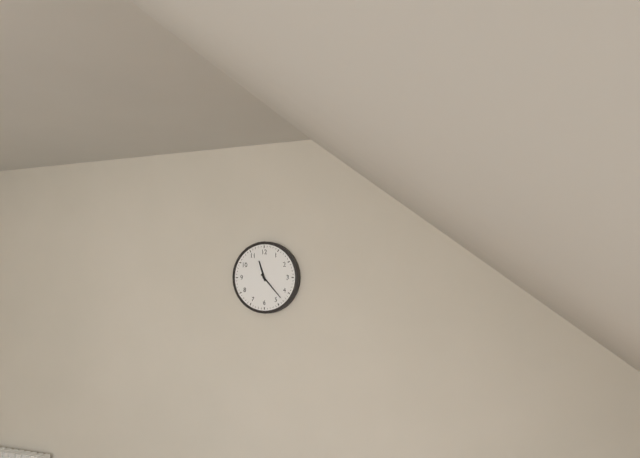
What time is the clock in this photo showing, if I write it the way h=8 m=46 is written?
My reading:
h=11 m=23
